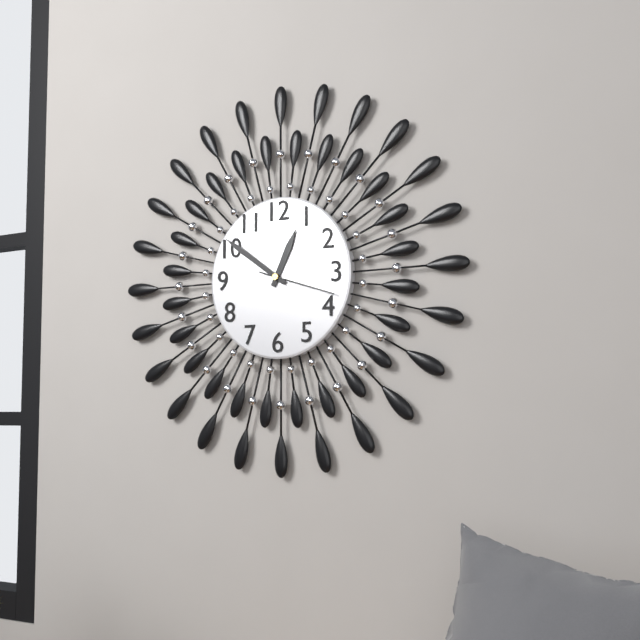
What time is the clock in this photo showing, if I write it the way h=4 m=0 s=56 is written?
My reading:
h=12 m=51 s=18
